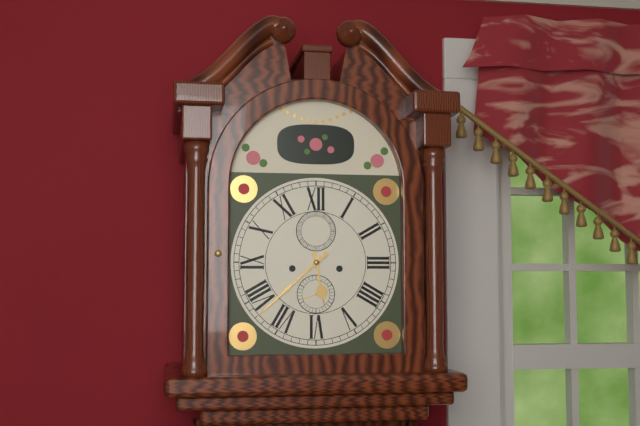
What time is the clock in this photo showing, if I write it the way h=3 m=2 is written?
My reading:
h=5 m=38
